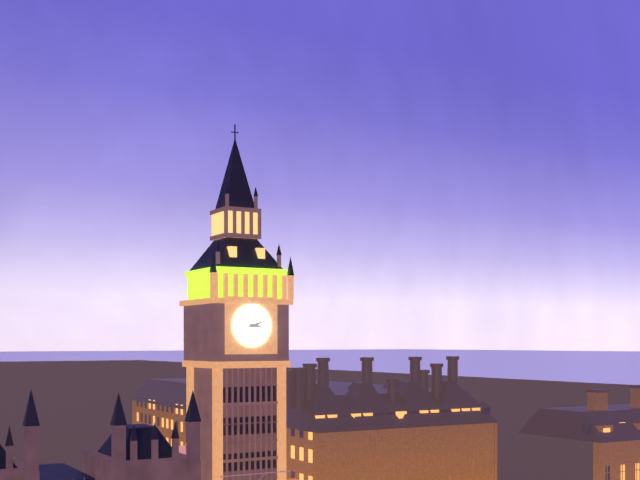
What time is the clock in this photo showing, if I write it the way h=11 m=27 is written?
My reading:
h=3 m=12
